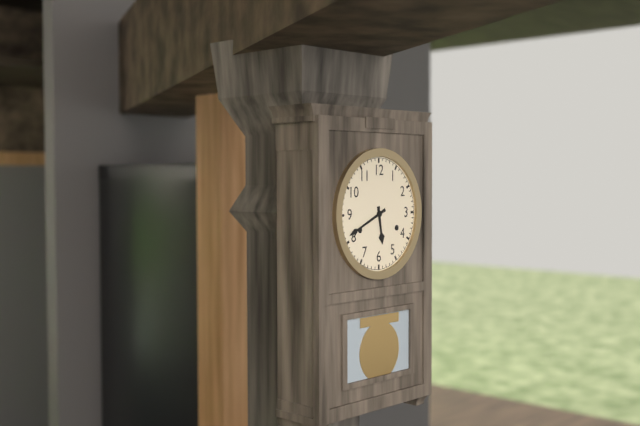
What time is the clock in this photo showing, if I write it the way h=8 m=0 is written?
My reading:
h=5 m=41
